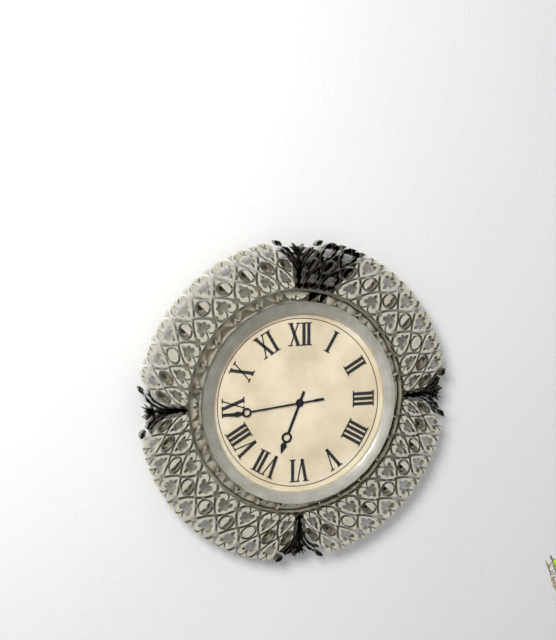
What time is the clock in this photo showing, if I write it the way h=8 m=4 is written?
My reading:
h=6 m=44
